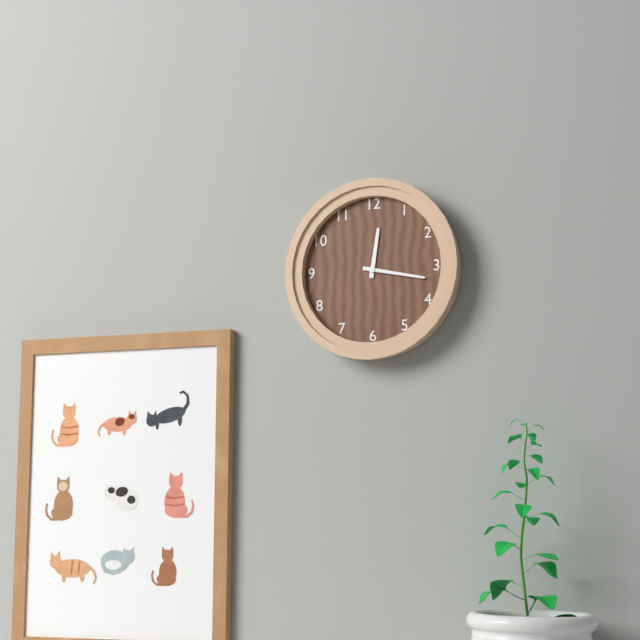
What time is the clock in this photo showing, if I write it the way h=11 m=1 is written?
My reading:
h=12 m=17
